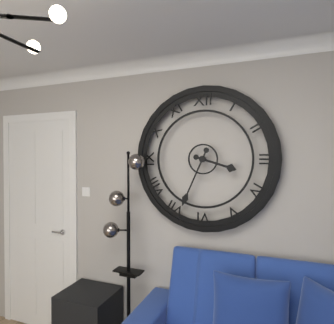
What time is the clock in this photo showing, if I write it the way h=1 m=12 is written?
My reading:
h=3 m=34
